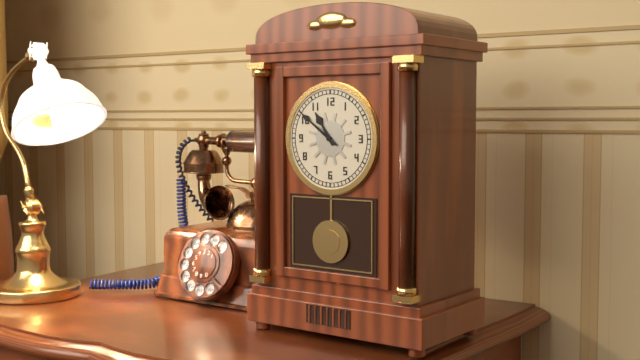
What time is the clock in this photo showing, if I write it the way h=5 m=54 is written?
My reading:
h=10 m=51
